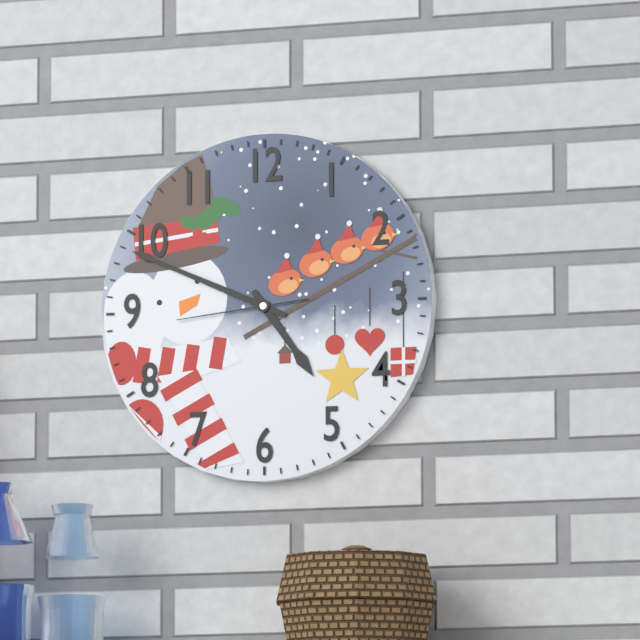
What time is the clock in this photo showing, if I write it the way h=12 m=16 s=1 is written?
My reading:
h=4 m=49 s=44
